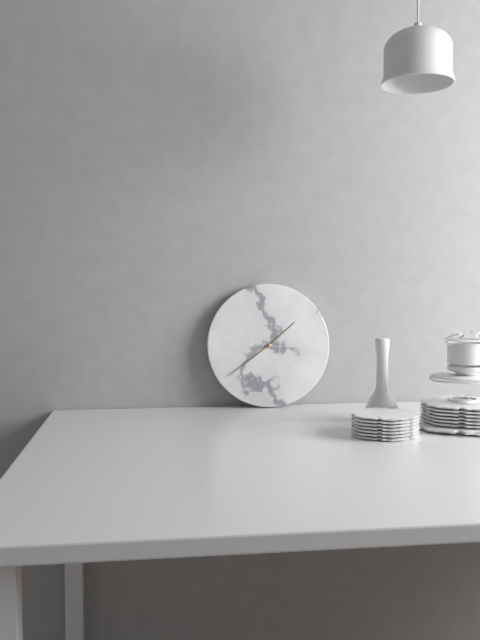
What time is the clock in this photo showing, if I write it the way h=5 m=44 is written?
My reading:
h=1 m=39
